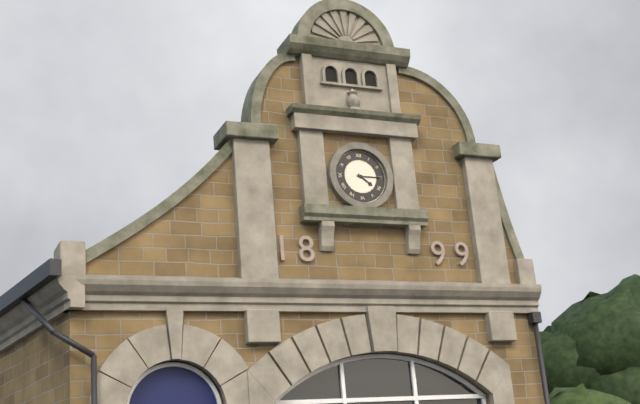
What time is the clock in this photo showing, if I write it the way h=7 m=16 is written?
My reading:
h=4 m=15
